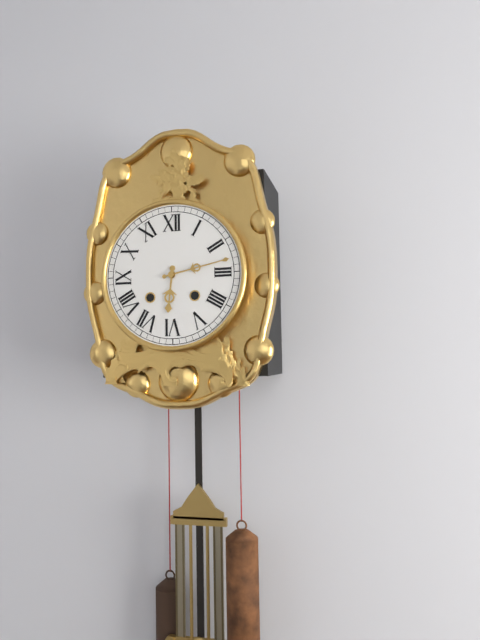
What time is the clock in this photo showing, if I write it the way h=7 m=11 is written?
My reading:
h=6 m=13
